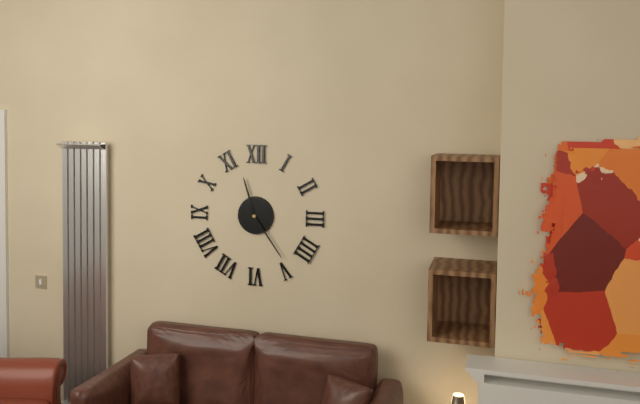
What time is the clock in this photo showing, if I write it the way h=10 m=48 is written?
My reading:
h=11 m=24
